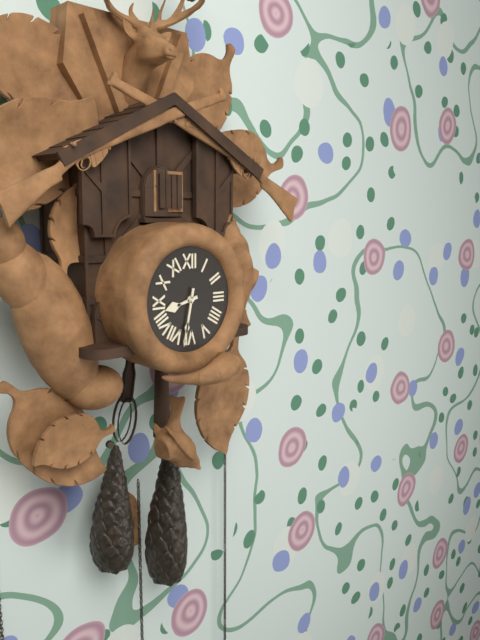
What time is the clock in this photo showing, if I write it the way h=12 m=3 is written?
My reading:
h=8 m=32
